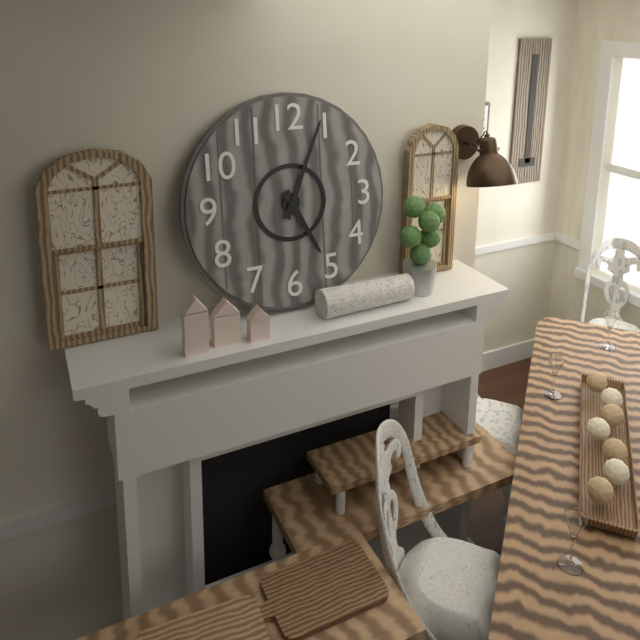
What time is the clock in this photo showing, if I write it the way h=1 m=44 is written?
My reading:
h=5 m=4
